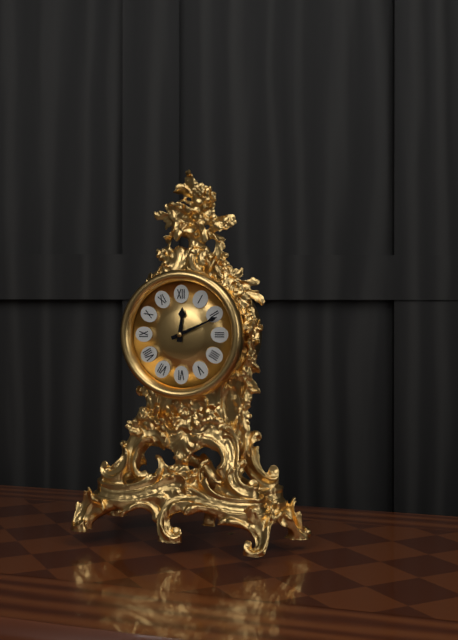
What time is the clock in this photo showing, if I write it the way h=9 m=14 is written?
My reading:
h=12 m=11
